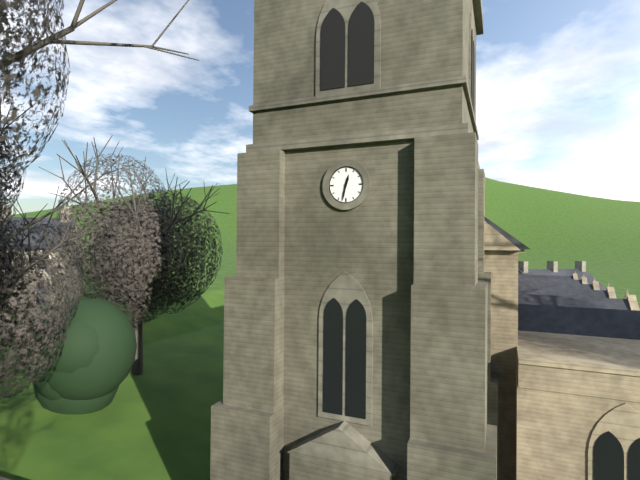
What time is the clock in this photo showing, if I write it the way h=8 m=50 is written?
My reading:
h=12 m=32
